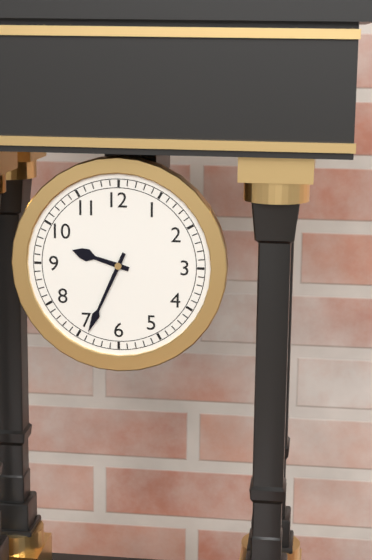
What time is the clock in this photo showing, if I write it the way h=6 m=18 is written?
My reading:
h=9 m=34
